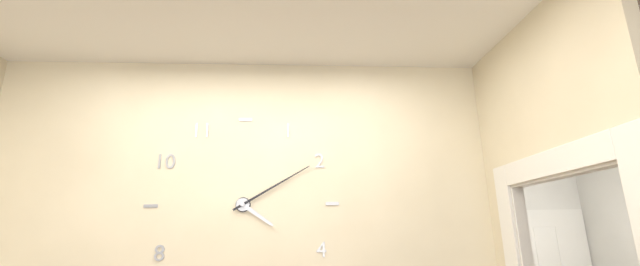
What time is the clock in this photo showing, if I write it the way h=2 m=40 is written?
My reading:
h=4 m=10
